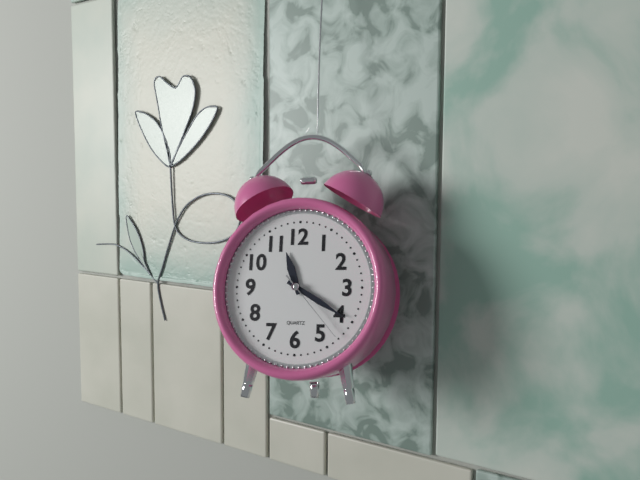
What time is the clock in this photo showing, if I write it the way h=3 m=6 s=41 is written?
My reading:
h=11 m=20 s=23
